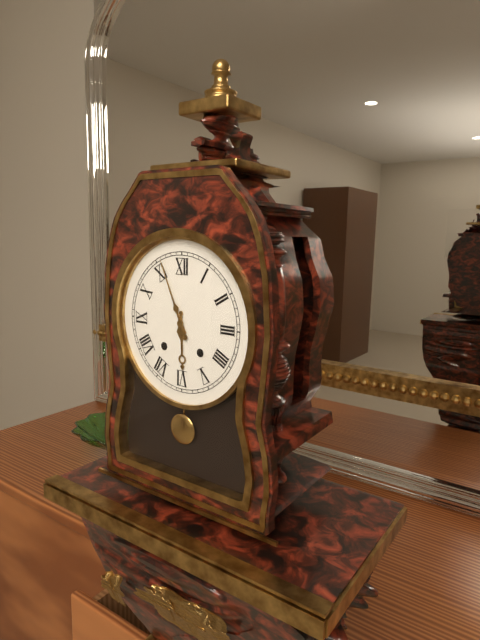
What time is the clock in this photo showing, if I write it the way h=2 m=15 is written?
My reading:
h=5 m=56
